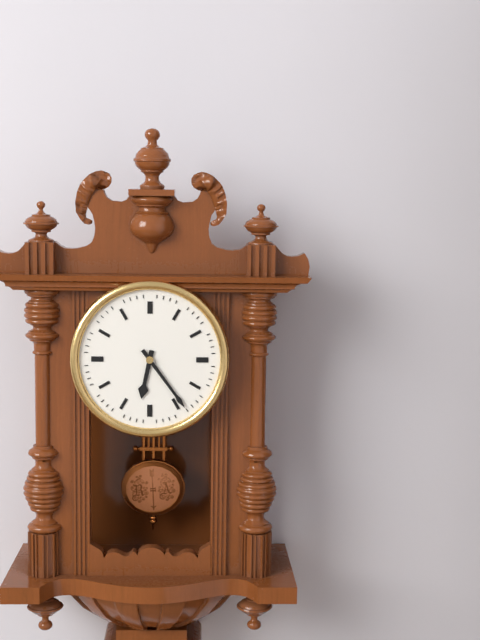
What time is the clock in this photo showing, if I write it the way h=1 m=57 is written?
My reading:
h=6 m=24
